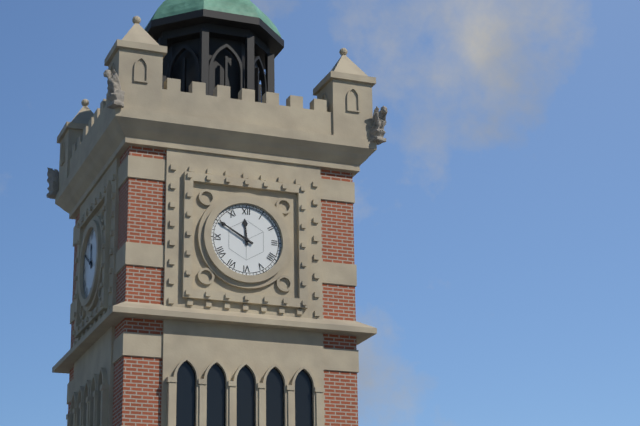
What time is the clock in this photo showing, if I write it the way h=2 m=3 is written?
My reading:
h=11 m=50
